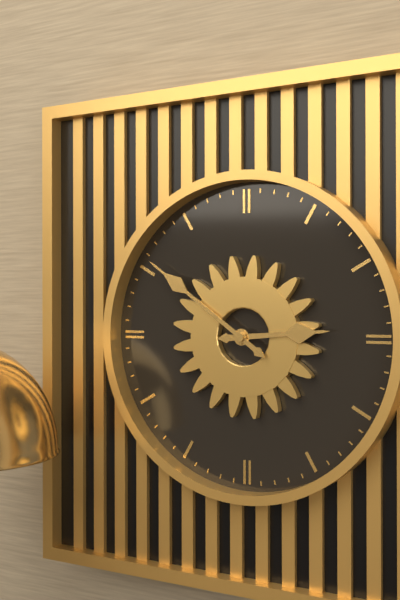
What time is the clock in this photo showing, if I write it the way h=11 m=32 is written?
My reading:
h=2 m=51
